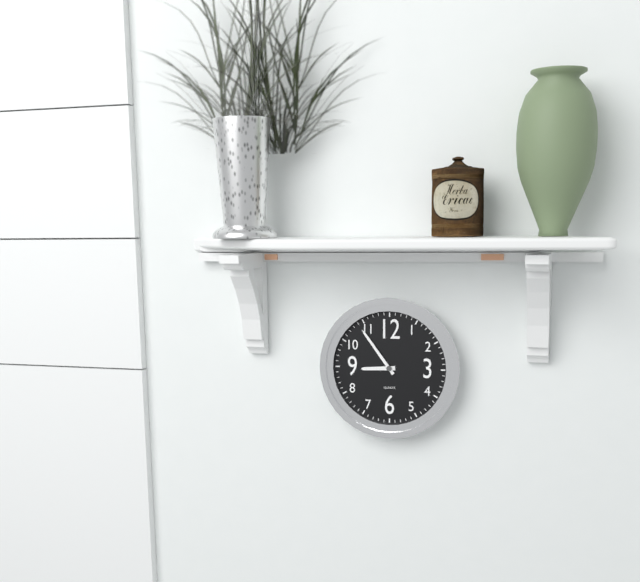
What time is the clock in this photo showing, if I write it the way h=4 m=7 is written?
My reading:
h=8 m=54
